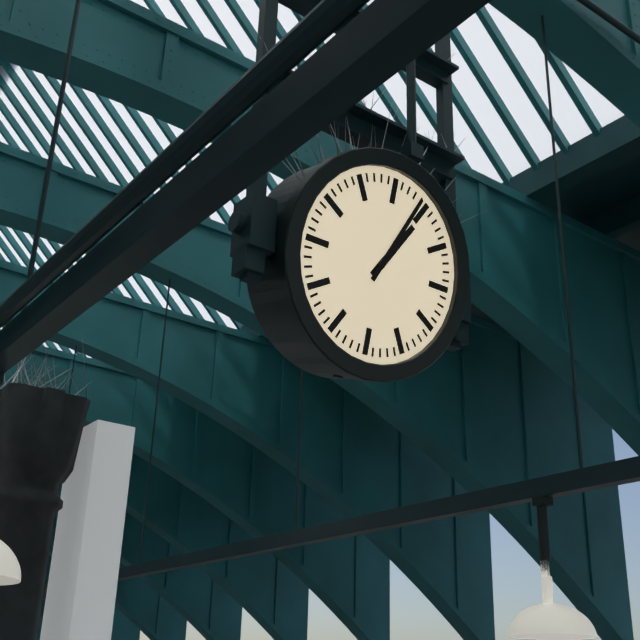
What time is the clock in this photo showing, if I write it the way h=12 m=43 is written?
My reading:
h=1 m=4
